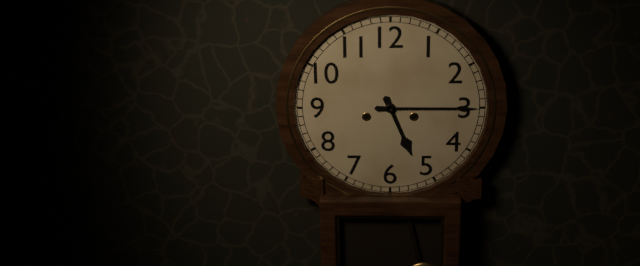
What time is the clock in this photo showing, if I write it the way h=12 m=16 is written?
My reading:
h=5 m=15
